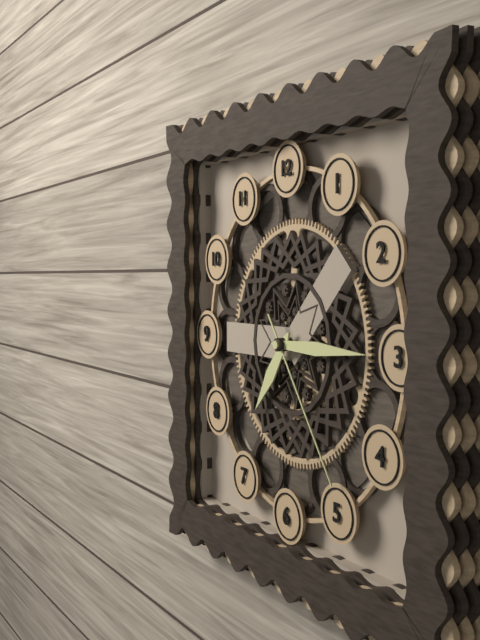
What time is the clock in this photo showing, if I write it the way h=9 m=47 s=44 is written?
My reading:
h=7 m=15 s=24
